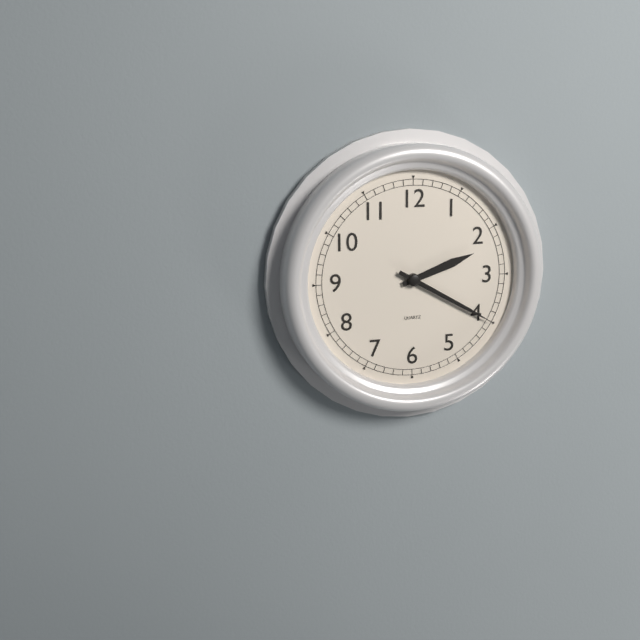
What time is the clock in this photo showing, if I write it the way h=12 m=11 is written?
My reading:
h=2 m=20
